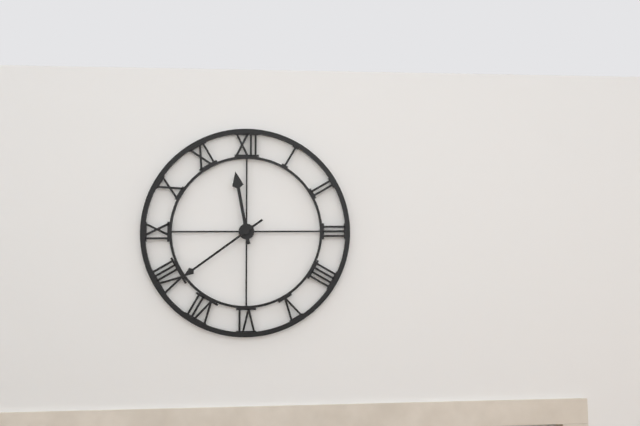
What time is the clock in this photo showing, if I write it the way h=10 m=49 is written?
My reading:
h=11 m=39
